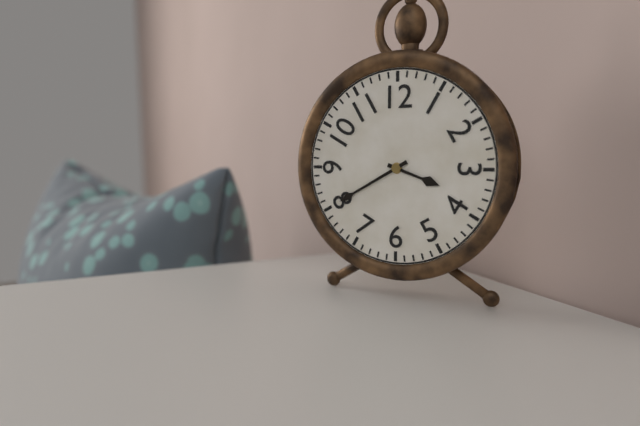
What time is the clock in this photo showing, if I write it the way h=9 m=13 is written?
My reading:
h=3 m=40
